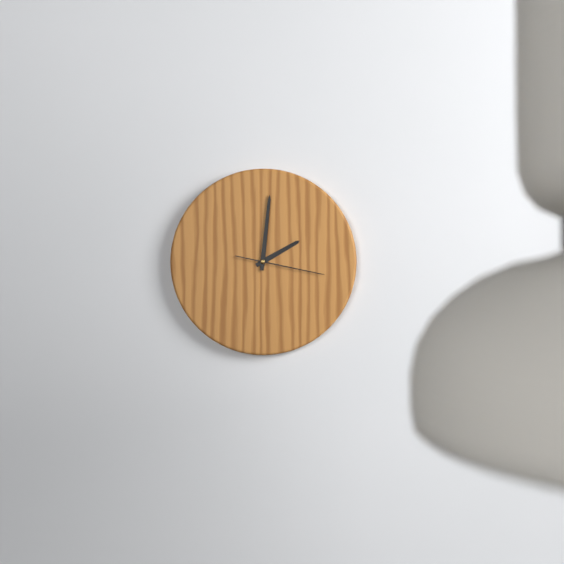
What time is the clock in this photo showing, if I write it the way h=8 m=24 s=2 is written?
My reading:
h=2 m=1 s=17
